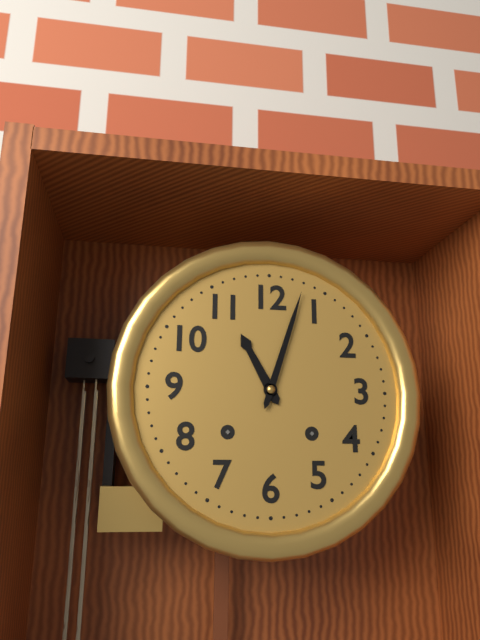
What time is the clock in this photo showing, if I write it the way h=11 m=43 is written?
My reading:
h=11 m=3
